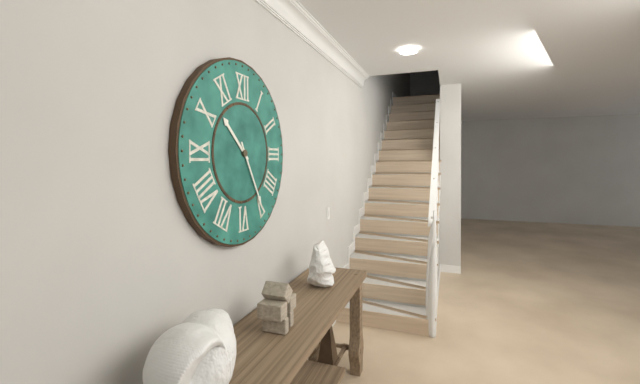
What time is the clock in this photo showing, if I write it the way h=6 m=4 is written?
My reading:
h=10 m=25
